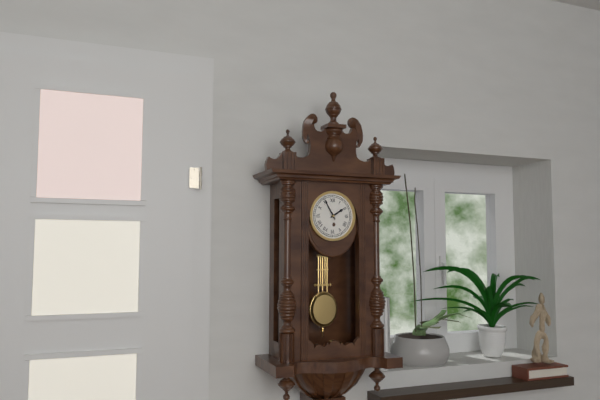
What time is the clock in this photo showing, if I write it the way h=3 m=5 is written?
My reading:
h=1 m=55
